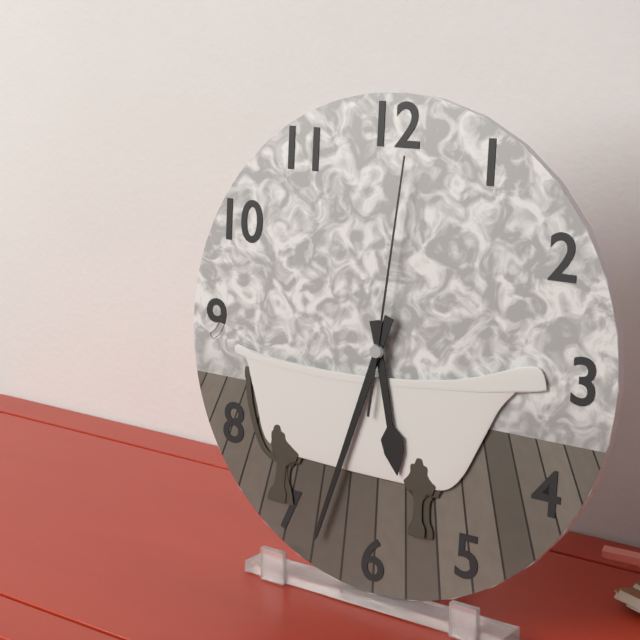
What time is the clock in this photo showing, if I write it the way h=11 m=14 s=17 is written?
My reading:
h=5 m=33 s=1
